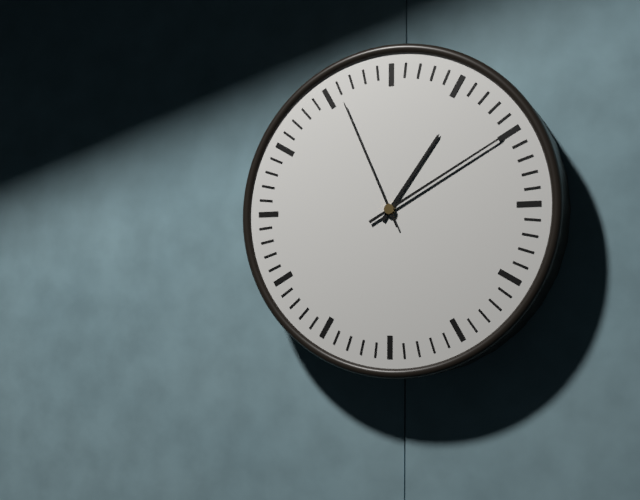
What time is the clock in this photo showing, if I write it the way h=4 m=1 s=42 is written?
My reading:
h=1 m=10 s=56
